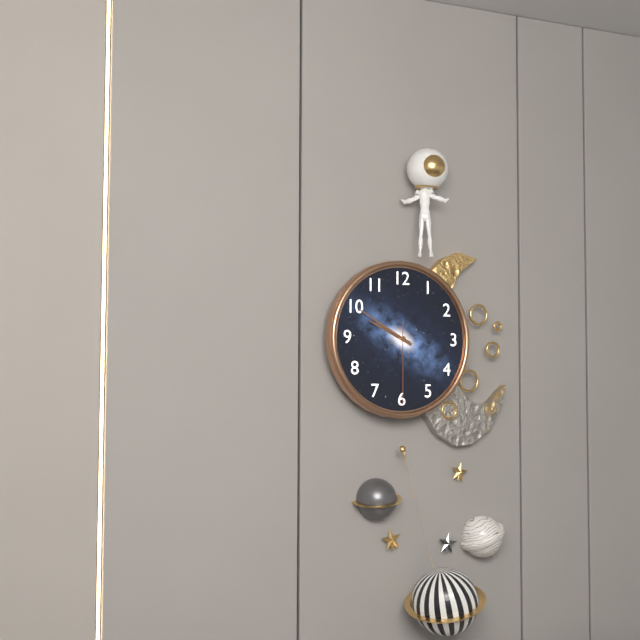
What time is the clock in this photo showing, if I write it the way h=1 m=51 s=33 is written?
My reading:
h=9 m=50 s=30
